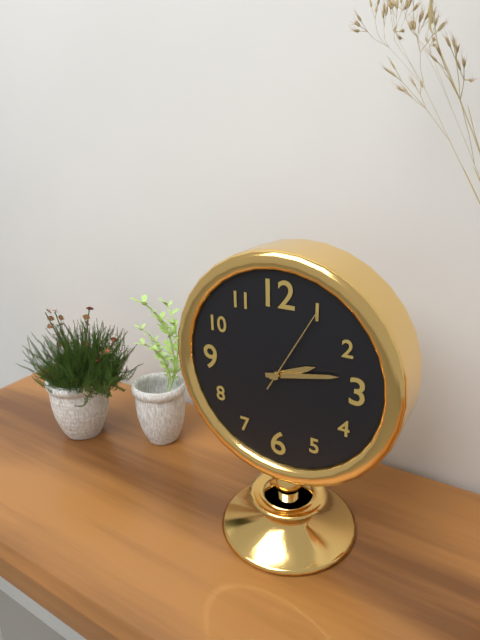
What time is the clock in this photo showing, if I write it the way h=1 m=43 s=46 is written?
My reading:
h=2 m=13 s=5
